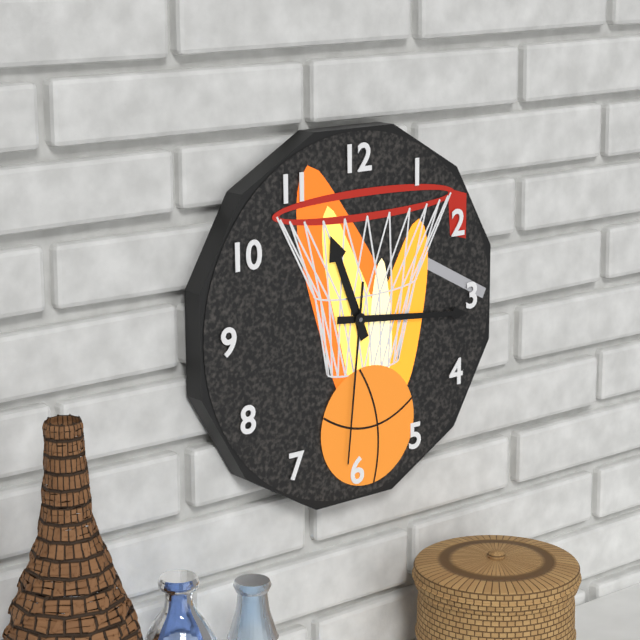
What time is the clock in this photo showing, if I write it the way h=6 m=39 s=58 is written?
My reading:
h=11 m=16 s=31
